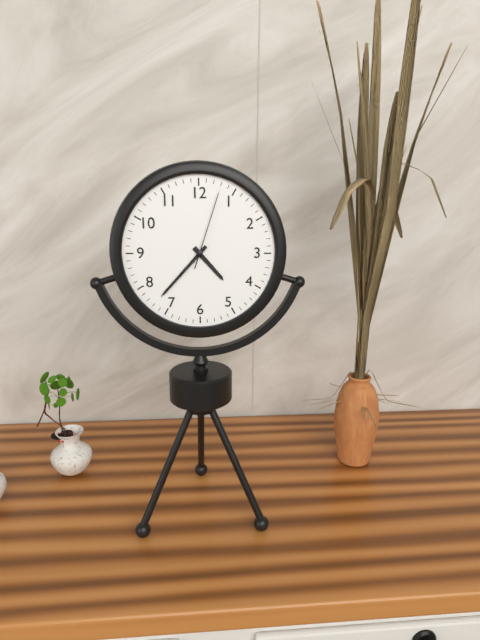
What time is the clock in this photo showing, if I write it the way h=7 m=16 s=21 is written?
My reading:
h=4 m=37 s=3
